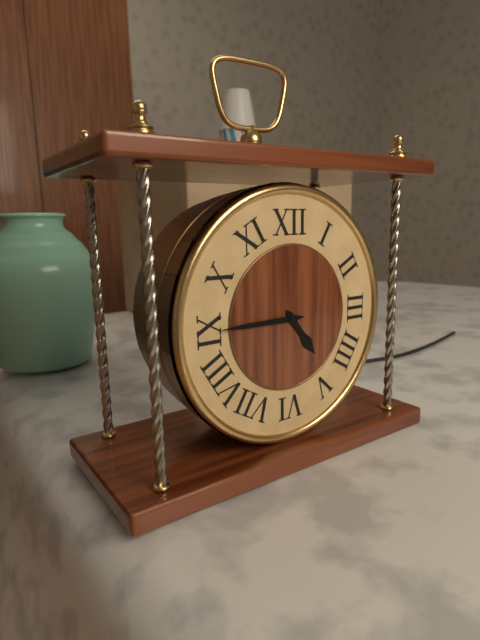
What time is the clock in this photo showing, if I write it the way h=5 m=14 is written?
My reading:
h=4 m=45
